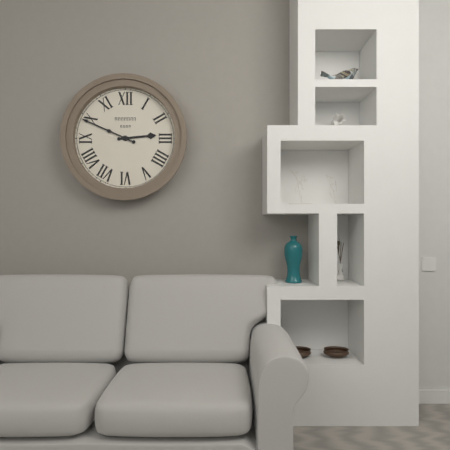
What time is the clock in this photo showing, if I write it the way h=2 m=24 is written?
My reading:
h=2 m=49
